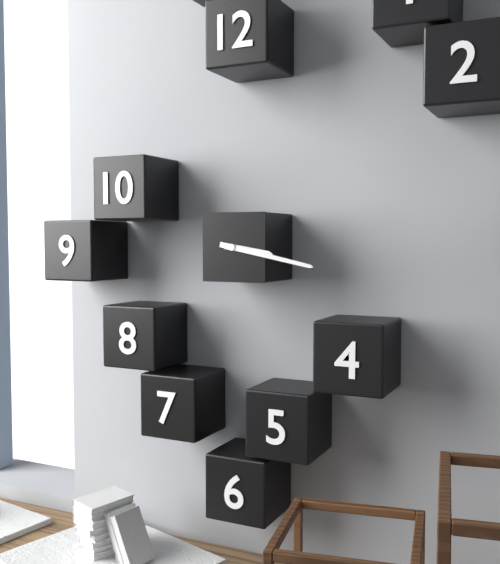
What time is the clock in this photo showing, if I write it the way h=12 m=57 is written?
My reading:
h=3 m=17
